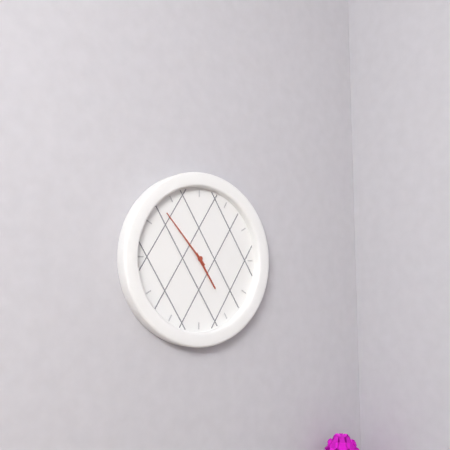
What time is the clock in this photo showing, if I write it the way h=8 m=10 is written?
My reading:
h=4 m=53
